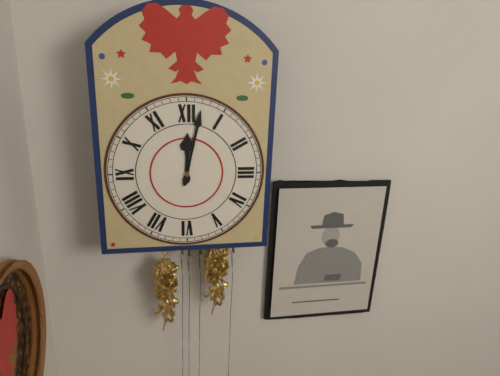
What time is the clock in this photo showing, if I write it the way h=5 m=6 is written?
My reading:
h=12 m=2
